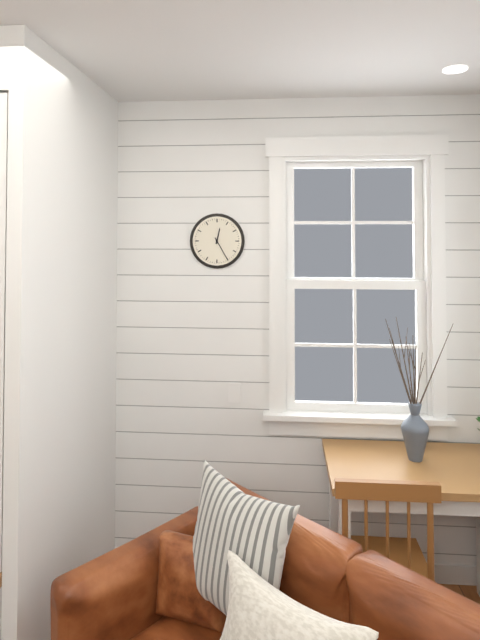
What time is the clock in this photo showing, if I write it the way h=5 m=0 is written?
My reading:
h=12 m=25
